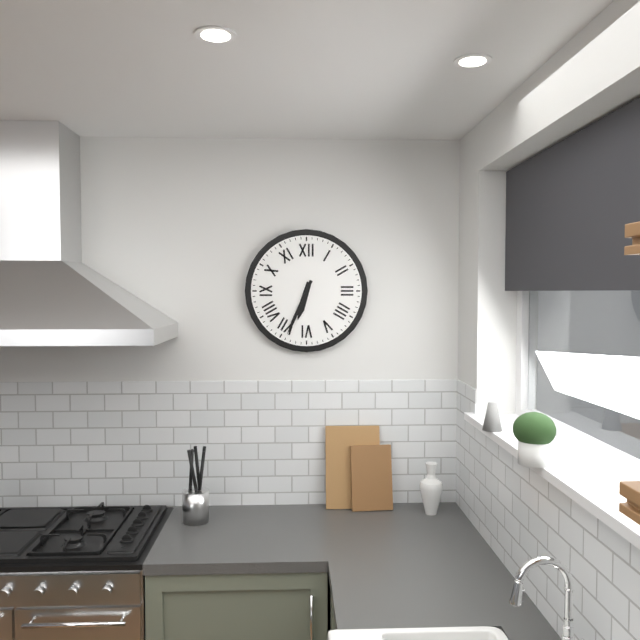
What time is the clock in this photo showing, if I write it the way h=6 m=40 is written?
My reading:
h=6 m=34
